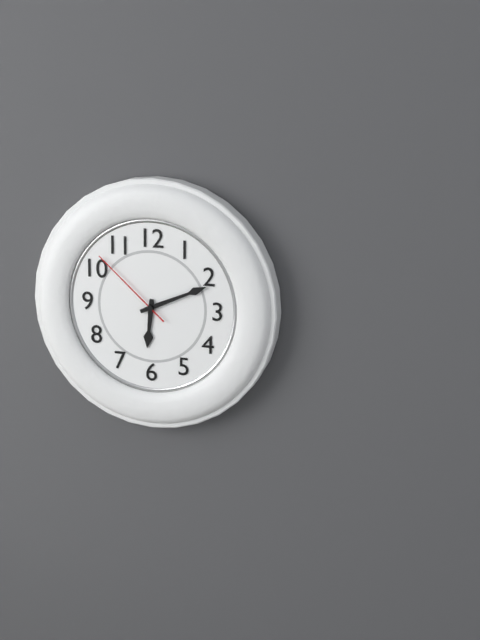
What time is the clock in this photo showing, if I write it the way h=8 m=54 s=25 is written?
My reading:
h=6 m=11 s=52
